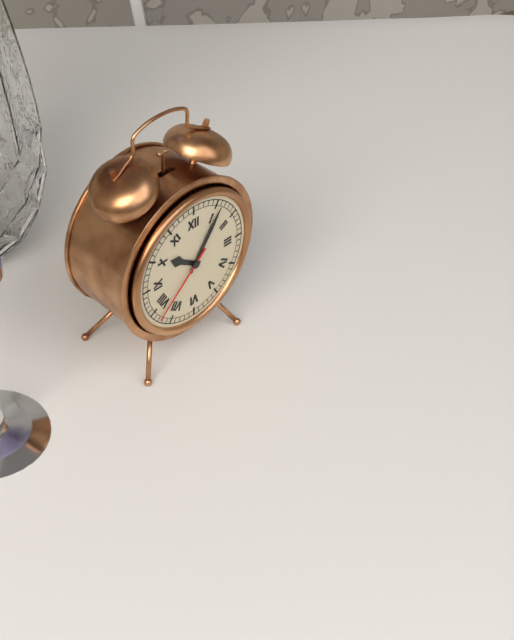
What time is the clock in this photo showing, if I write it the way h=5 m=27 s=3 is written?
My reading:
h=10 m=6 s=38
